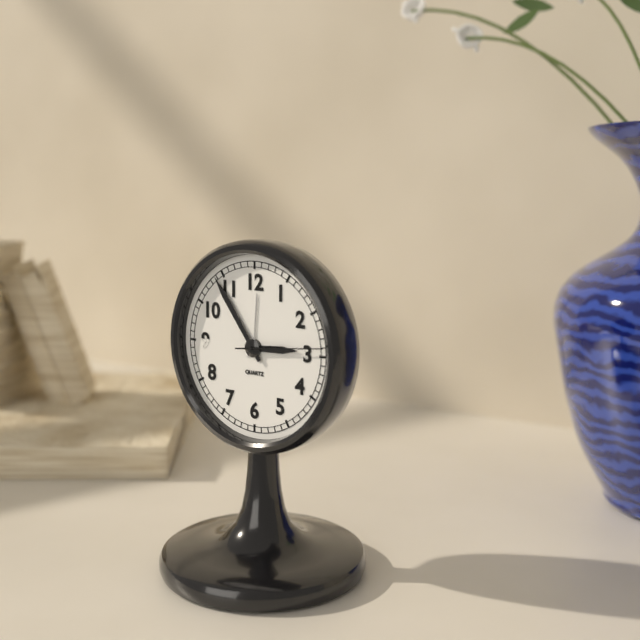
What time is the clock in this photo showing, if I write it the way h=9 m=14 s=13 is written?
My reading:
h=2 m=54 s=14
